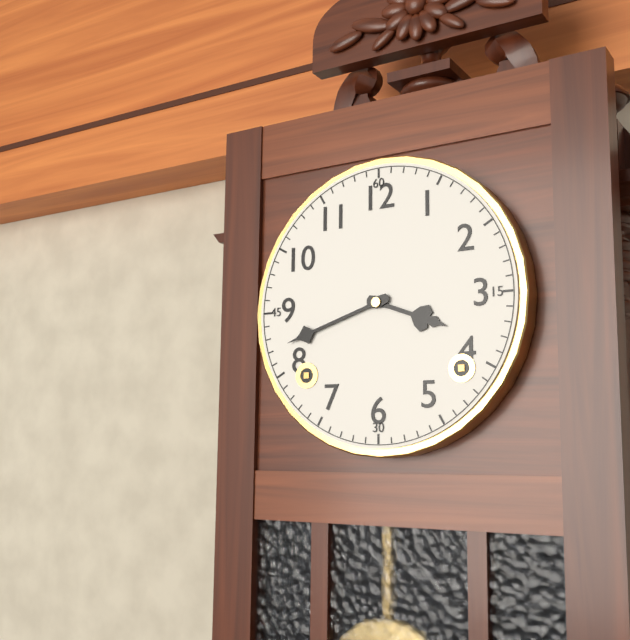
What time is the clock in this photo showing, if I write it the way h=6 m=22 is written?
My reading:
h=3 m=42
